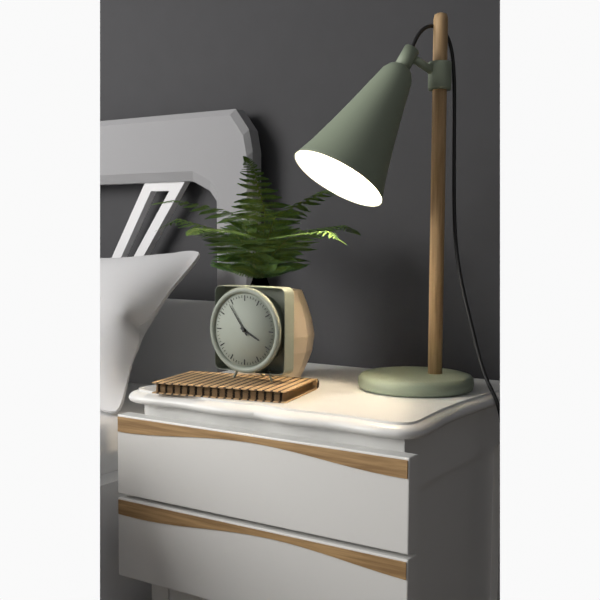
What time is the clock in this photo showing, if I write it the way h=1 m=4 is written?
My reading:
h=3 m=54
